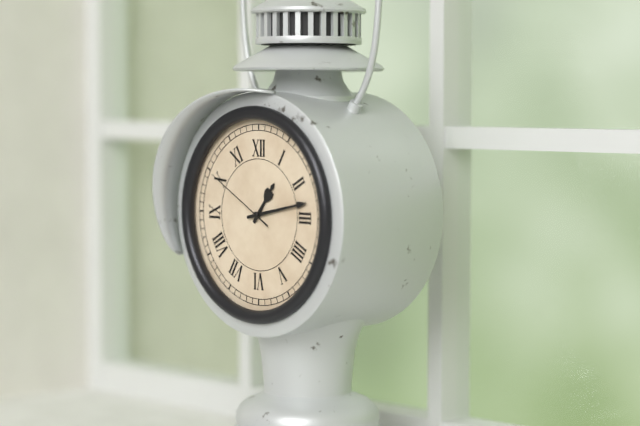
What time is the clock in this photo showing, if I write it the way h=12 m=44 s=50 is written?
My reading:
h=1 m=13 s=50
